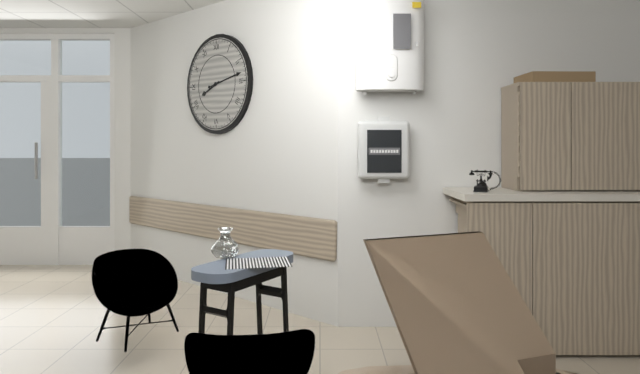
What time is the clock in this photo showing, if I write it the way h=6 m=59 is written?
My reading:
h=8 m=13
